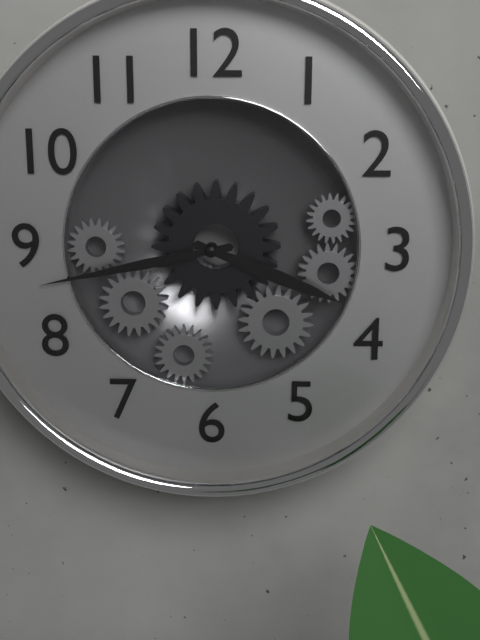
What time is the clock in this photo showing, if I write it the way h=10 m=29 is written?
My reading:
h=3 m=43
